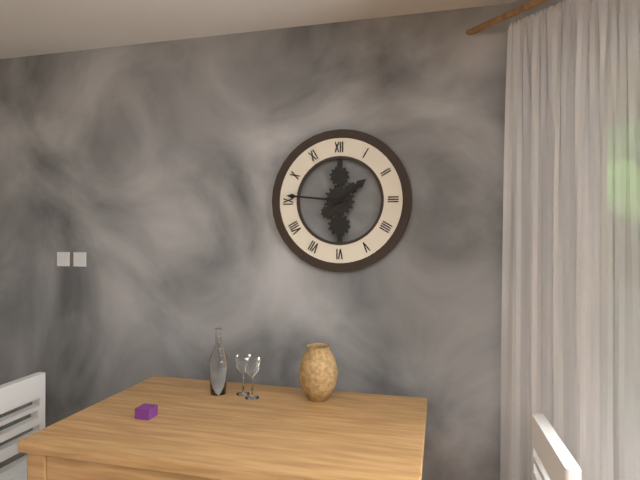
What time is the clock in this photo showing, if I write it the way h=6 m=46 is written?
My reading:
h=1 m=46
